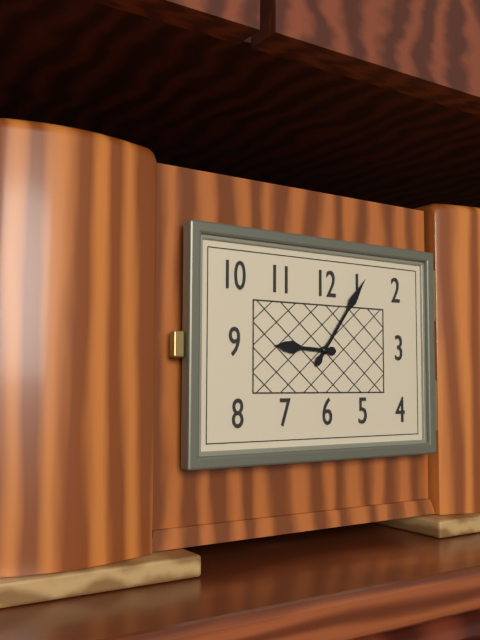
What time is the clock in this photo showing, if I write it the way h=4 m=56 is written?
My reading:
h=9 m=6
